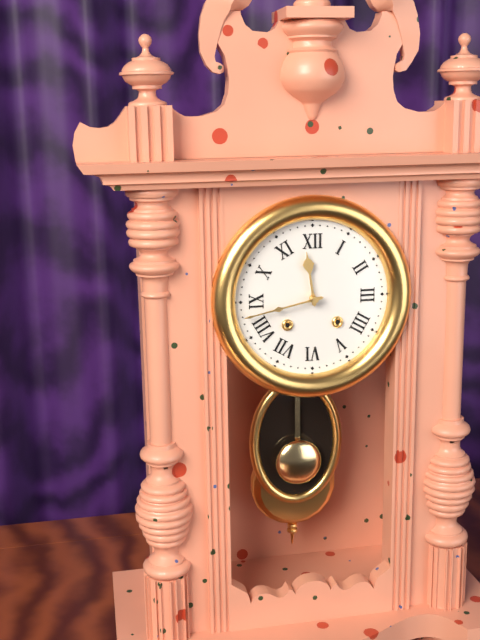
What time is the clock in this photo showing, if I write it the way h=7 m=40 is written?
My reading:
h=11 m=43
